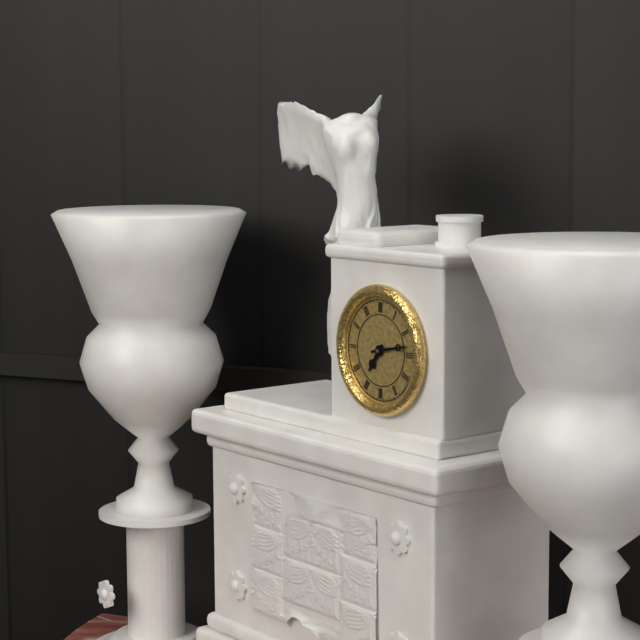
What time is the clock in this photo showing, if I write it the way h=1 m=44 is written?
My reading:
h=7 m=13
